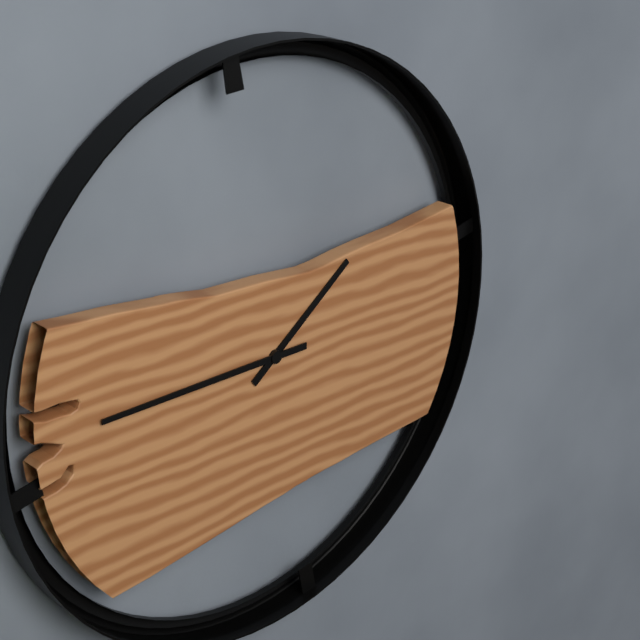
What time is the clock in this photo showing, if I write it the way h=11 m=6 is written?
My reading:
h=1 m=45
